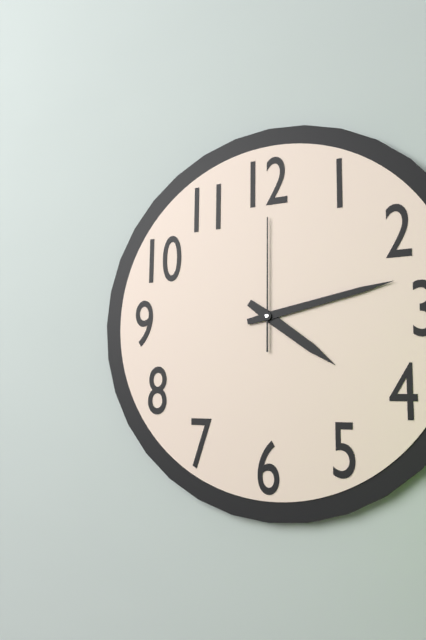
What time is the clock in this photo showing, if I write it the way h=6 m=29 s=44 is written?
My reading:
h=4 m=13 s=0
